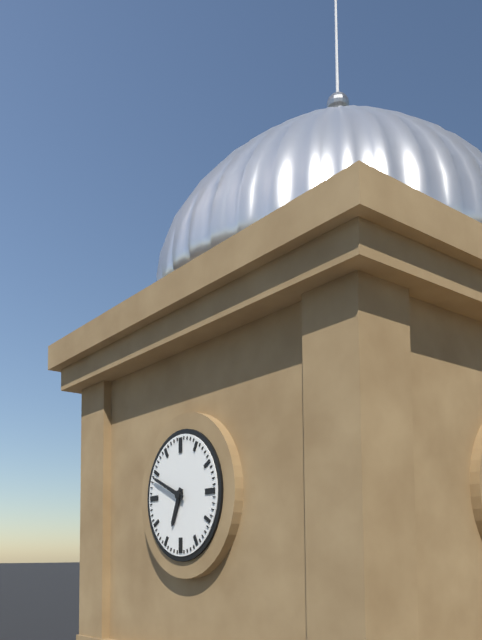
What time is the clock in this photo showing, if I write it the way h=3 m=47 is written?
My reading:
h=6 m=49
